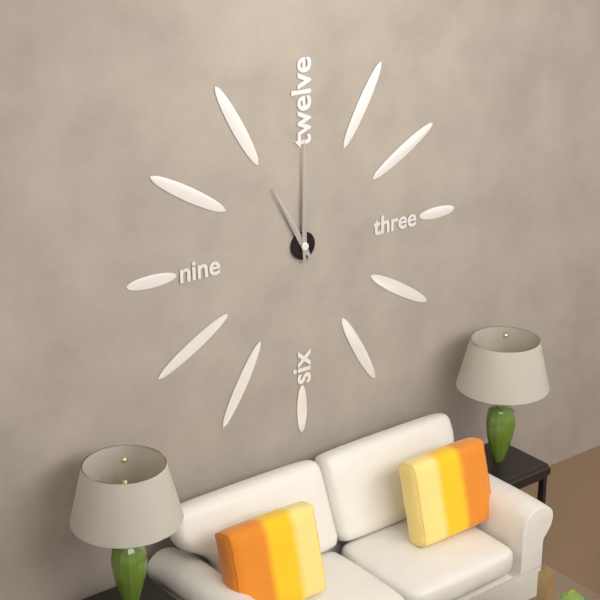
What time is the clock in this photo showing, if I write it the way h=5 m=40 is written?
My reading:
h=11 m=0
